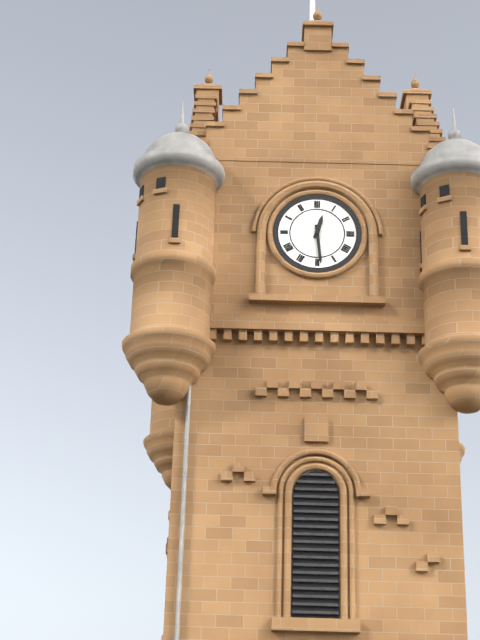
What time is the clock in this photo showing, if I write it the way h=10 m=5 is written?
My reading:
h=12 m=29
